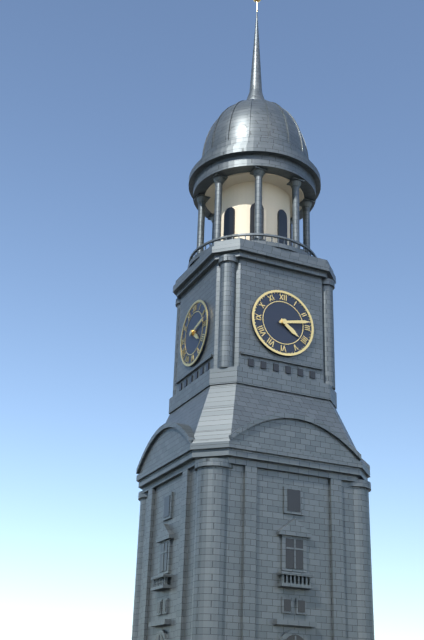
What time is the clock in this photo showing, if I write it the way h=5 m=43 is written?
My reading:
h=4 m=13
